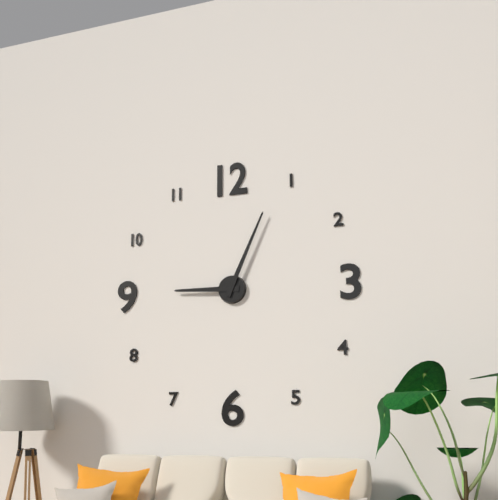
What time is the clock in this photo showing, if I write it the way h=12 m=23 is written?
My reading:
h=9 m=4
